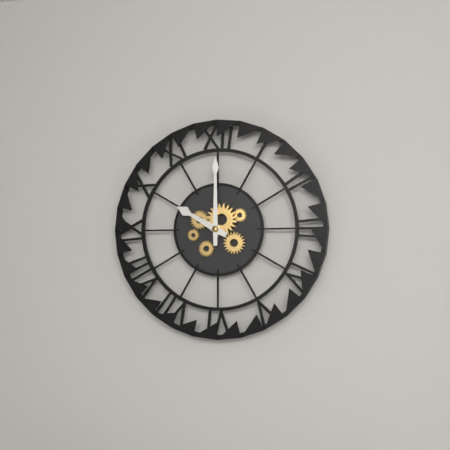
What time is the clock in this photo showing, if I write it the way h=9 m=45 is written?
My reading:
h=10 m=0
